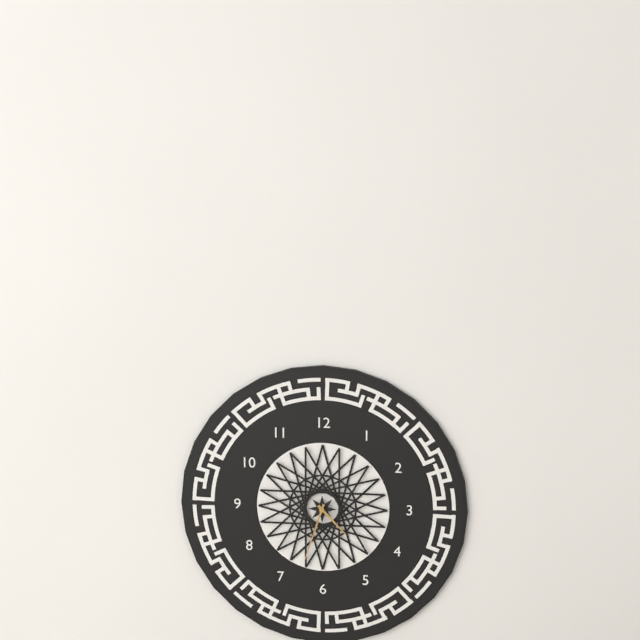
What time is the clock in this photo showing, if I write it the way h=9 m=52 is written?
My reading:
h=4 m=33
